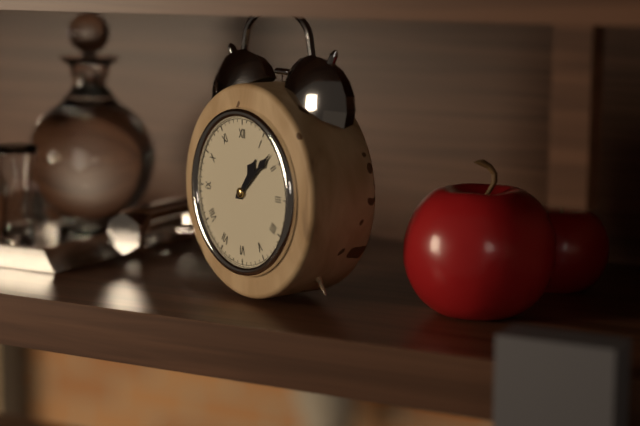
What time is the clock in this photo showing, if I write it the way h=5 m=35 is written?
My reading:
h=1 m=8
